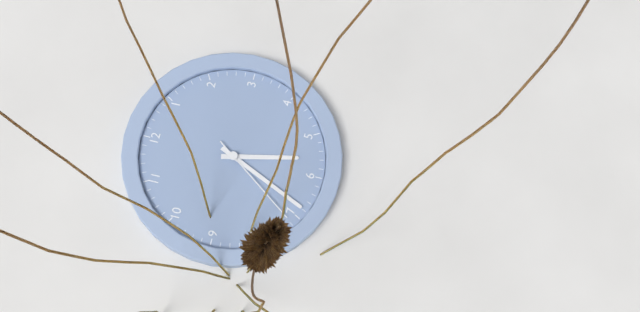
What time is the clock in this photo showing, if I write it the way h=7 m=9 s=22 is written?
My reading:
h=5 m=34 s=36
